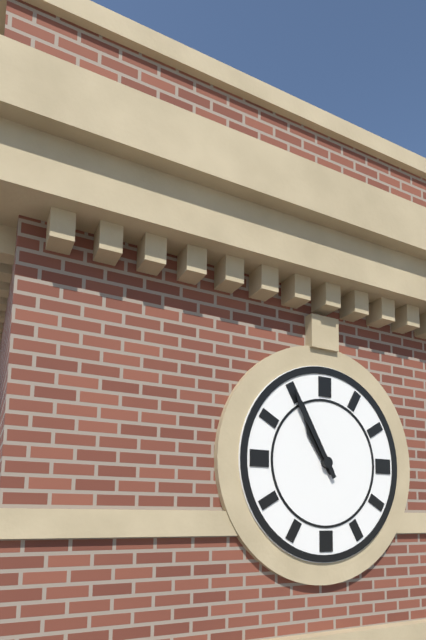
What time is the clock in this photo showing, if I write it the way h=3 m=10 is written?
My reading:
h=10 m=55
